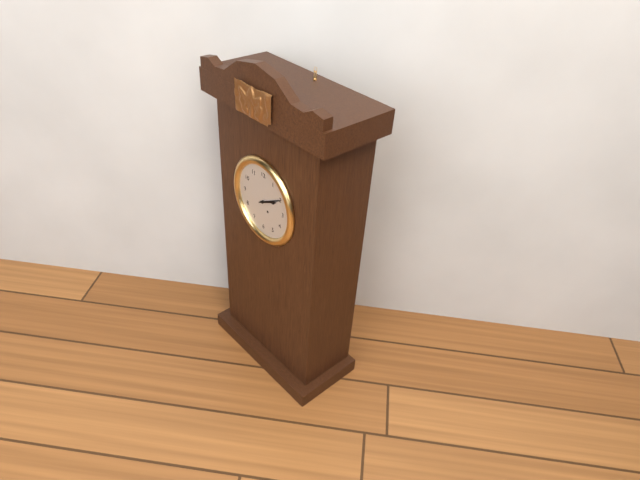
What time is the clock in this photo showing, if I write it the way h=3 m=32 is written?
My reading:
h=2 m=10
